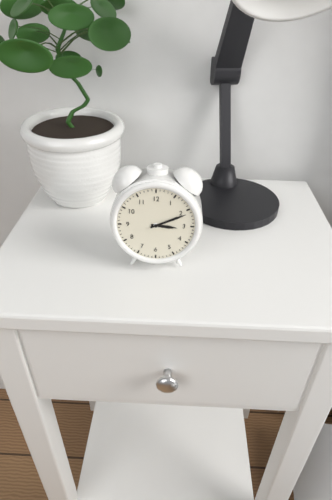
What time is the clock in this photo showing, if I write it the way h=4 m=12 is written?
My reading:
h=3 m=11
